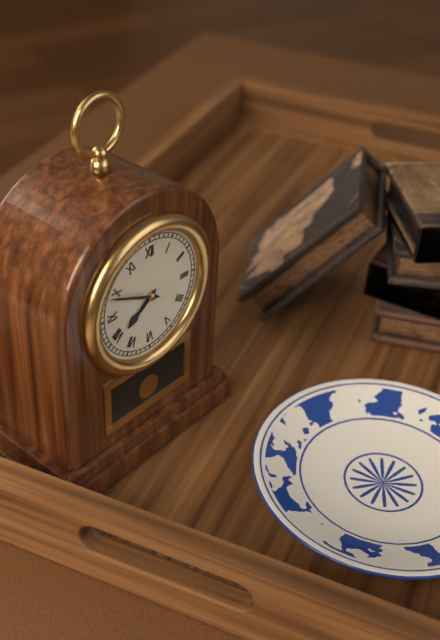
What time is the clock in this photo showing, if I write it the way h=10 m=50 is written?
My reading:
h=7 m=49
